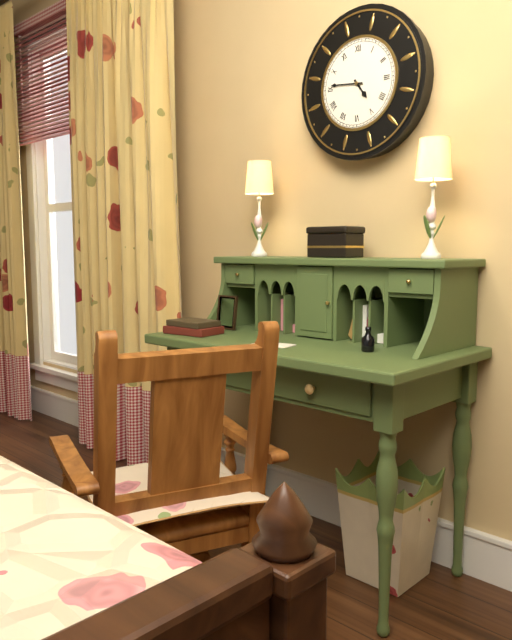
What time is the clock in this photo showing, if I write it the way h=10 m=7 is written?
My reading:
h=4 m=46
